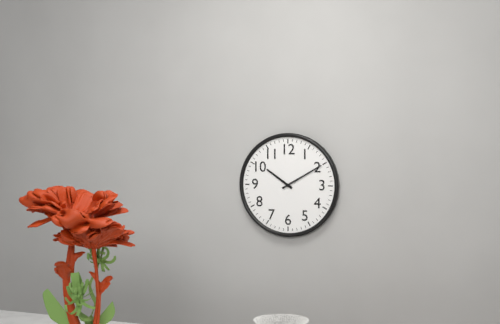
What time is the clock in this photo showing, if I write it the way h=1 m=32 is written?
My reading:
h=10 m=10
